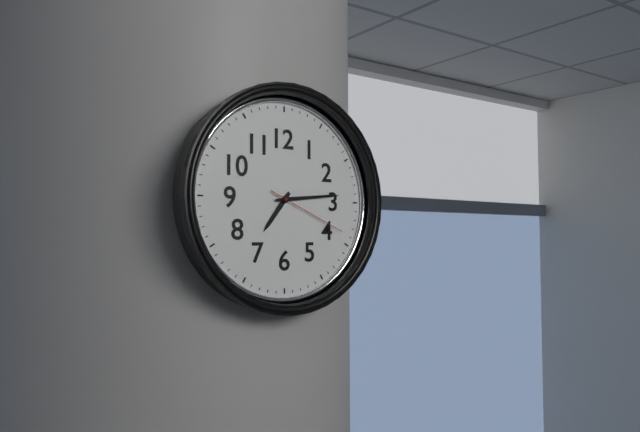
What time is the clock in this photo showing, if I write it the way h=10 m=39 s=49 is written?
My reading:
h=7 m=14 s=19
